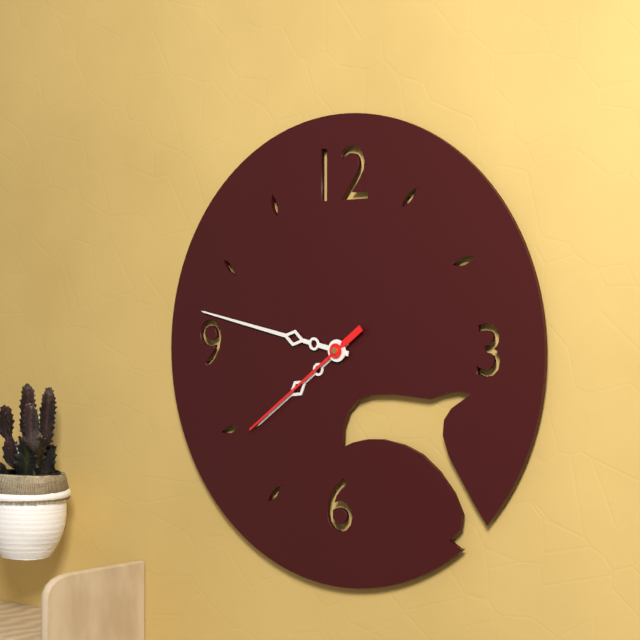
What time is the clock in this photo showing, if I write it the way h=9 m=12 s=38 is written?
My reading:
h=7 m=47 s=39
